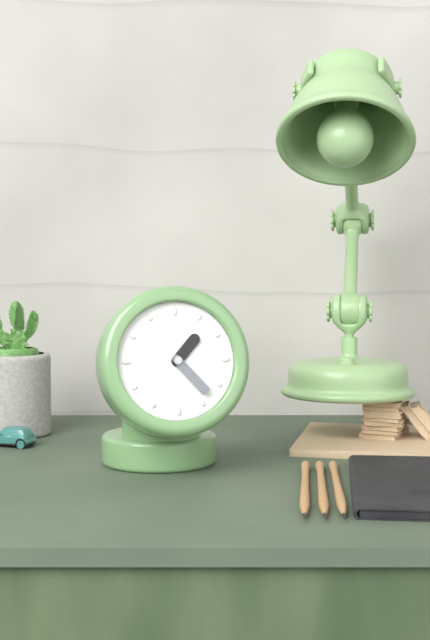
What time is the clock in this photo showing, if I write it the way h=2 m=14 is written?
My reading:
h=1 m=23
